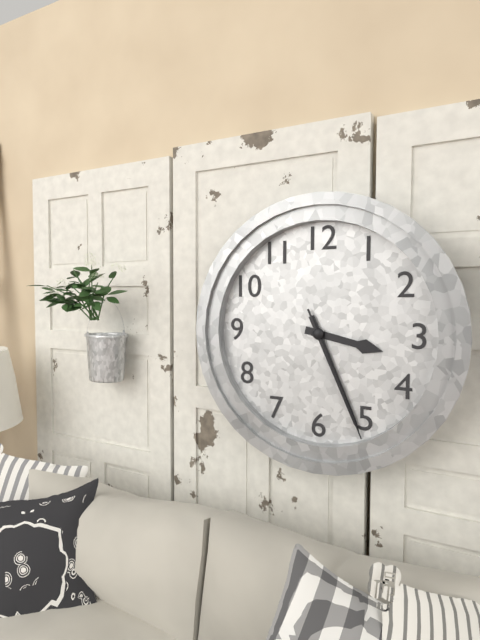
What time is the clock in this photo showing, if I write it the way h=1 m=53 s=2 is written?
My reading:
h=3 m=26 s=26
